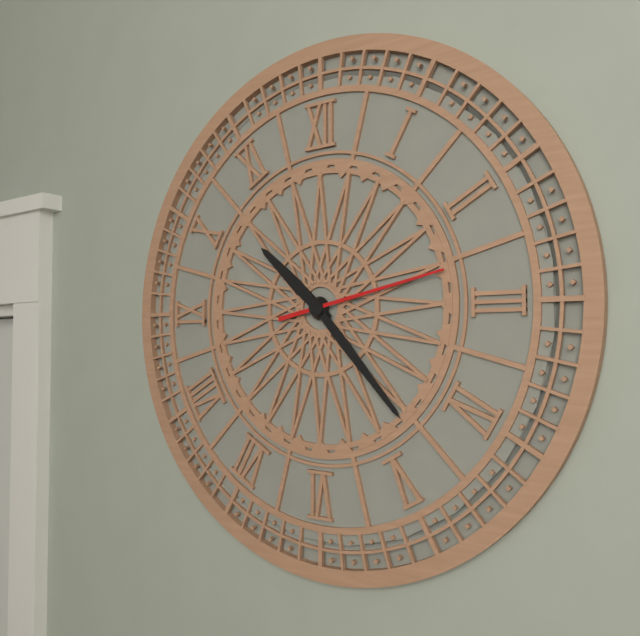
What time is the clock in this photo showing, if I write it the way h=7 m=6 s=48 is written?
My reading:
h=10 m=23 s=13
